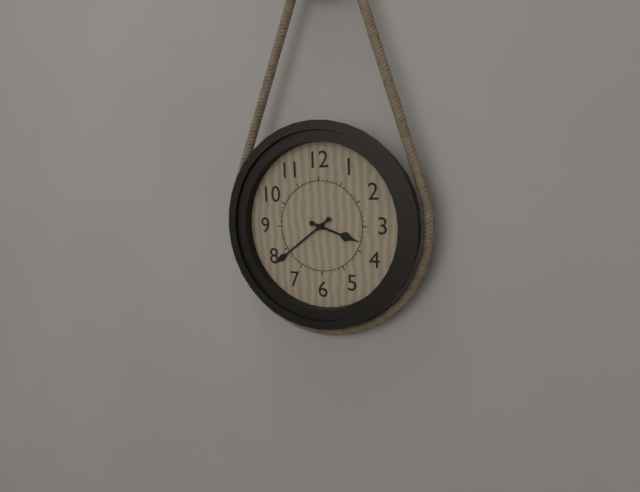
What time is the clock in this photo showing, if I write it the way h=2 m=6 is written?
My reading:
h=3 m=39
